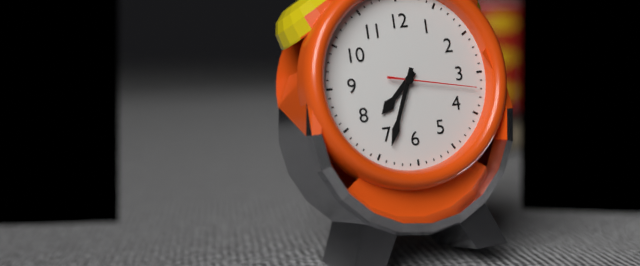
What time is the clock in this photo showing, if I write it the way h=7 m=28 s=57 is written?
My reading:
h=7 m=34 s=17
